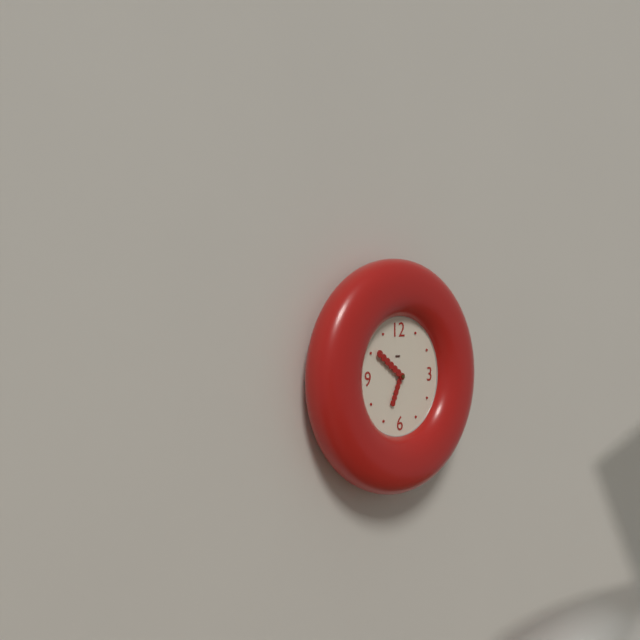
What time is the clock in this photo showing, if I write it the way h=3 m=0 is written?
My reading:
h=6 m=51
